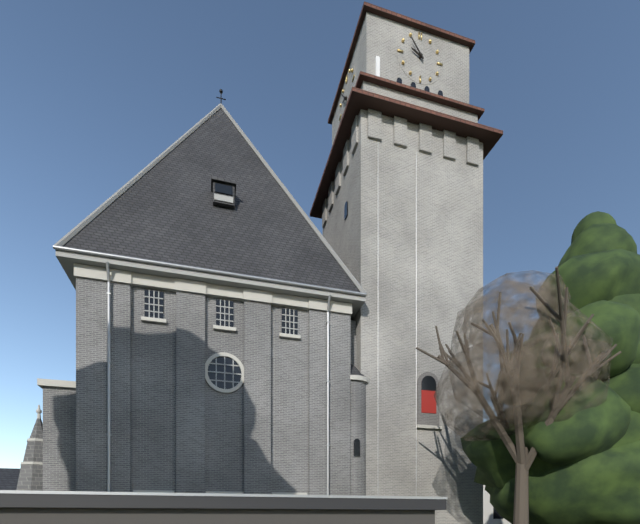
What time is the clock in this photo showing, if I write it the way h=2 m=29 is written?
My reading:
h=9 m=54
